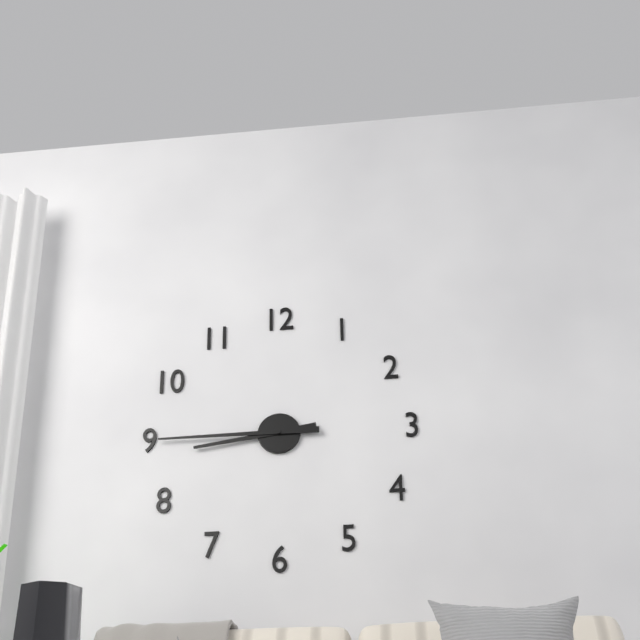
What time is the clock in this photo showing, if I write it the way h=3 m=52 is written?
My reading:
h=8 m=45
